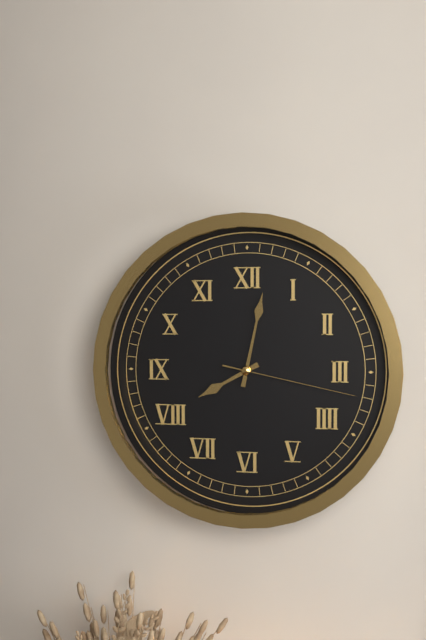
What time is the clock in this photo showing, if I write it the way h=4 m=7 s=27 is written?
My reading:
h=8 m=2 s=17
